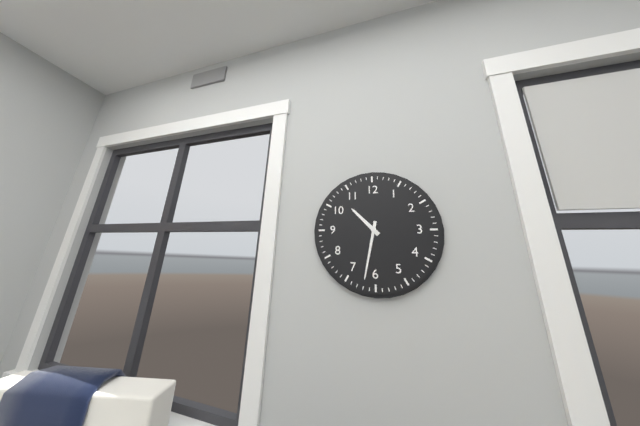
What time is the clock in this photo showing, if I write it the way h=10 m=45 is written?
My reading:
h=10 m=32
